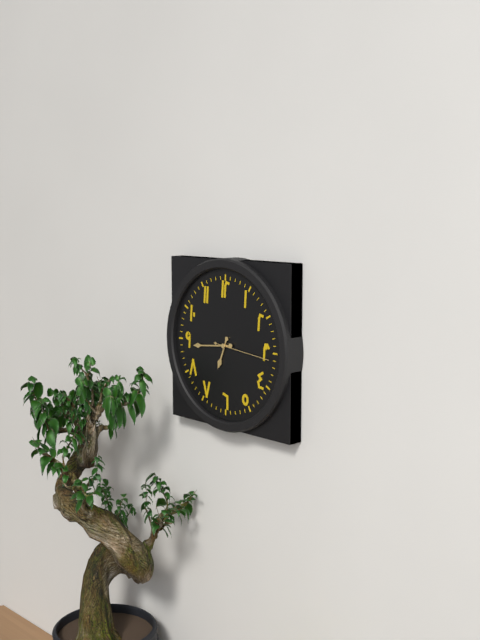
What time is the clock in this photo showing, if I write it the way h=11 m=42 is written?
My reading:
h=6 m=44
